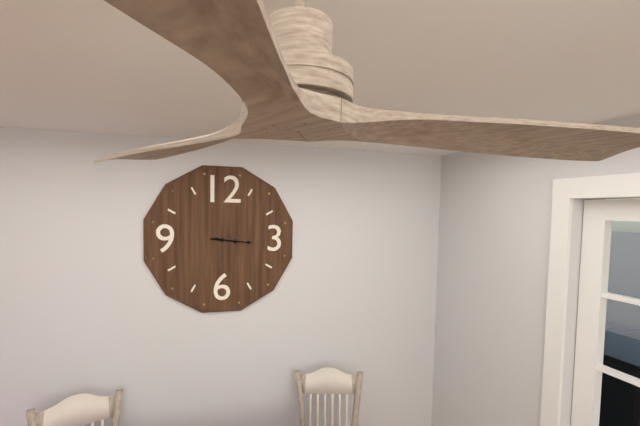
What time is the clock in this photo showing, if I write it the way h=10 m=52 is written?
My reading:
h=3 m=16
